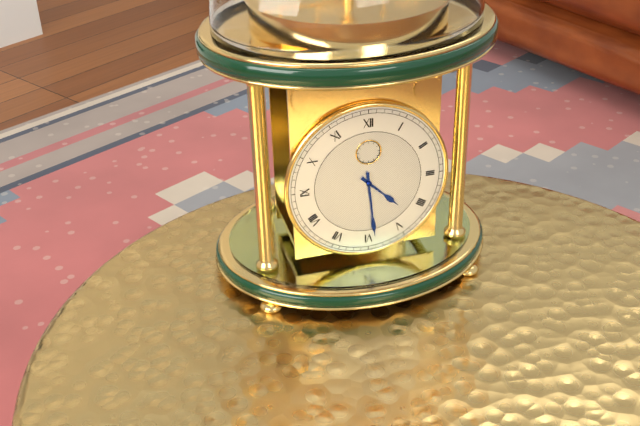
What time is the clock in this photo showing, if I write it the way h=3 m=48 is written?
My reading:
h=4 m=29
